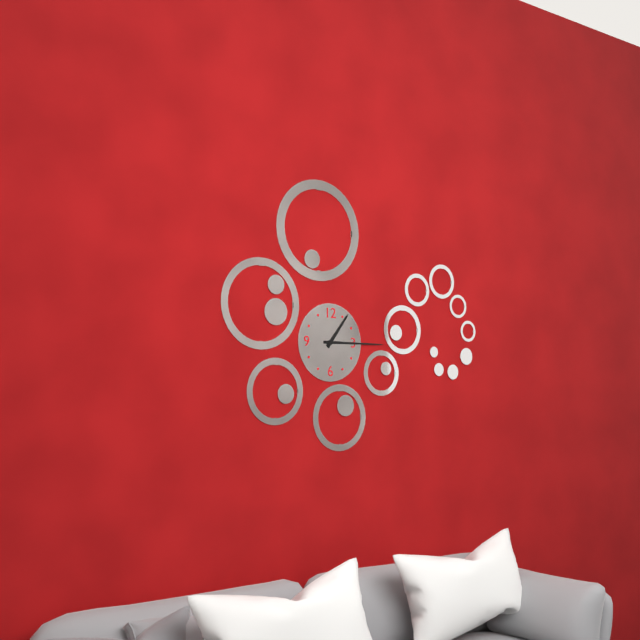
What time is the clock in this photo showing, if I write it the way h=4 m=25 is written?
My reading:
h=1 m=15
